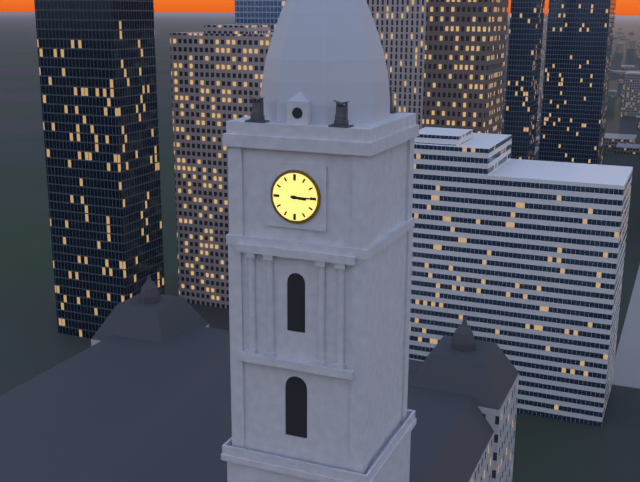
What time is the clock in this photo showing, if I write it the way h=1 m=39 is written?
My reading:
h=3 m=15
